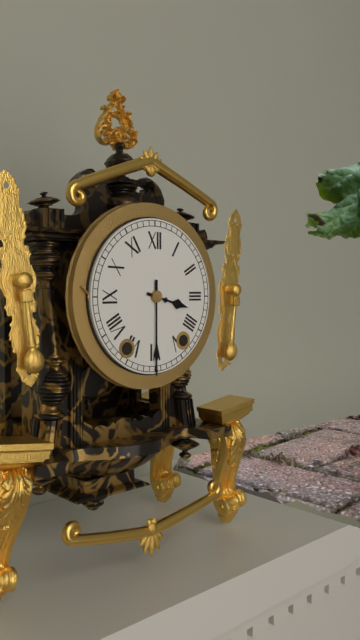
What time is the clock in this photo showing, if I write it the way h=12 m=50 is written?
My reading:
h=3 m=30
